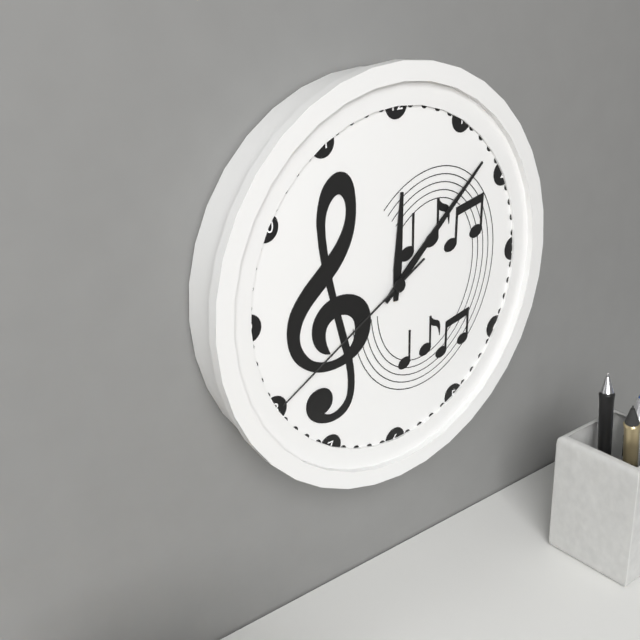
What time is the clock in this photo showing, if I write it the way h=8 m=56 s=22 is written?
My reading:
h=12 m=8 s=40
